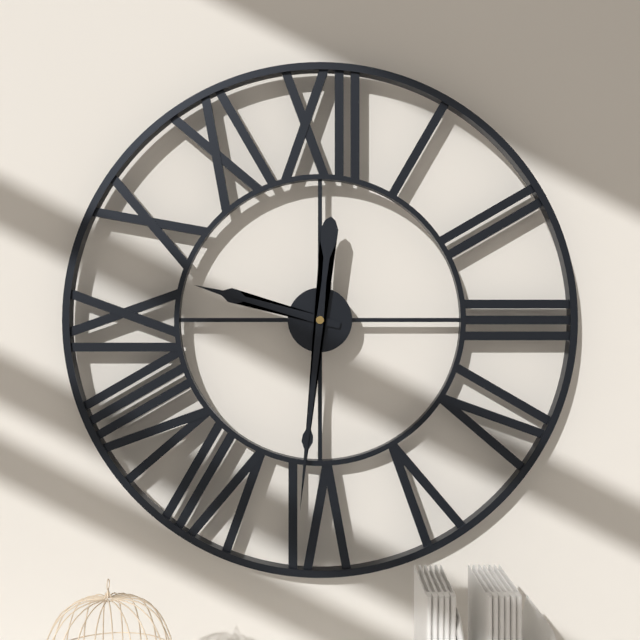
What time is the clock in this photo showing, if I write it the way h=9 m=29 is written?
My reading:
h=9 m=31
